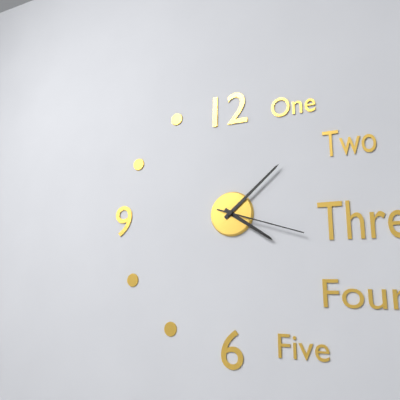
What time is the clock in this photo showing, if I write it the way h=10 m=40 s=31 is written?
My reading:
h=4 m=8 s=18
